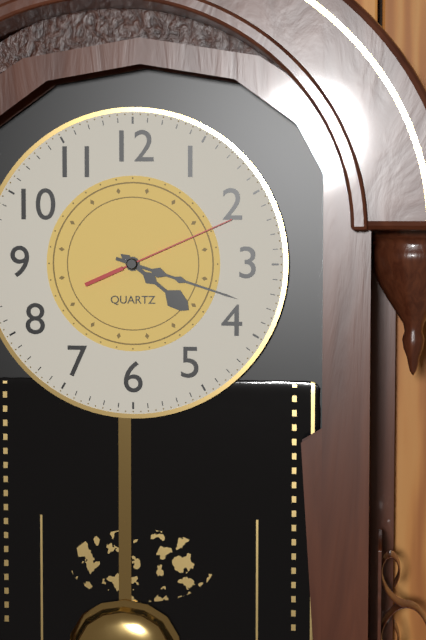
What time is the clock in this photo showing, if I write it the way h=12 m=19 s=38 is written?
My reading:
h=4 m=18 s=11
